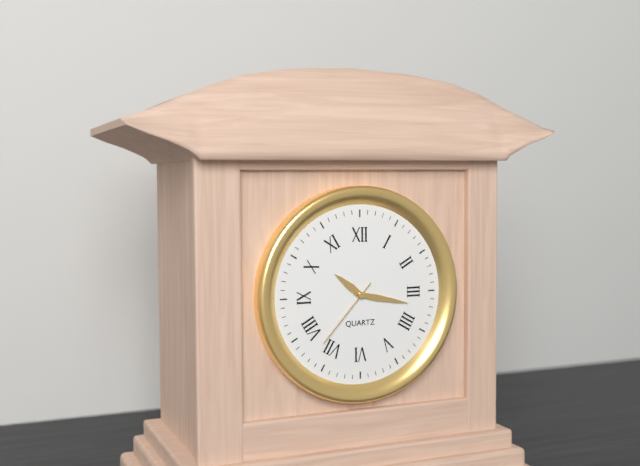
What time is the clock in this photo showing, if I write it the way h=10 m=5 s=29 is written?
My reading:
h=10 m=17 s=37
